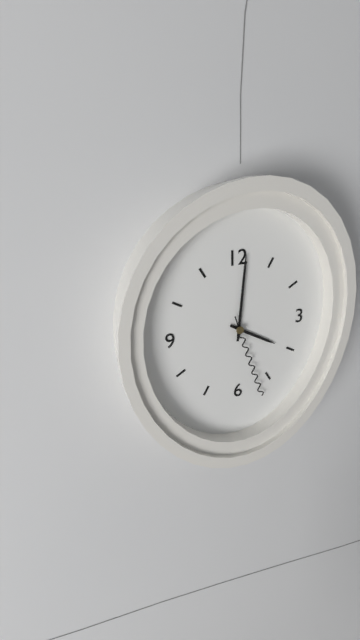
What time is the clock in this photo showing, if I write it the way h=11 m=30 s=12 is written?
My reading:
h=4 m=1 s=27
